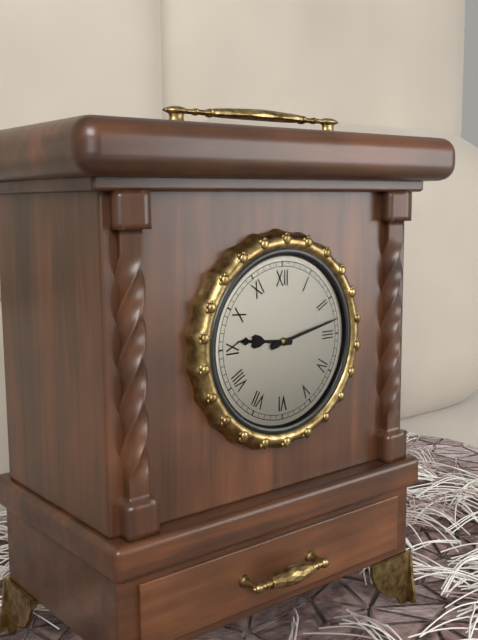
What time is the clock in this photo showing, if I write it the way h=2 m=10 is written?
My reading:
h=9 m=13
